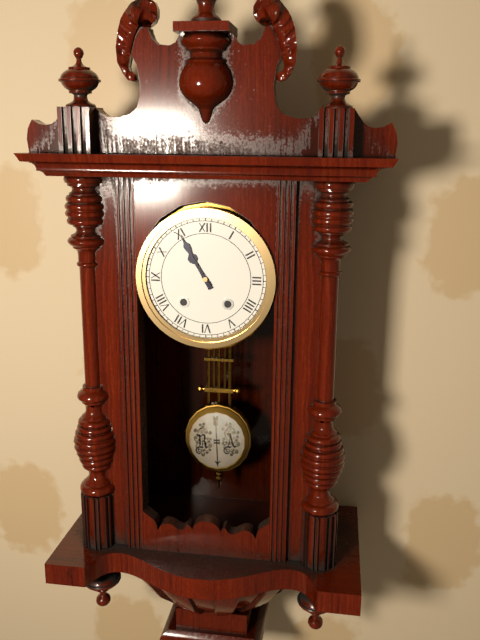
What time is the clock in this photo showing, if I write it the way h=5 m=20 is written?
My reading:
h=10 m=55
